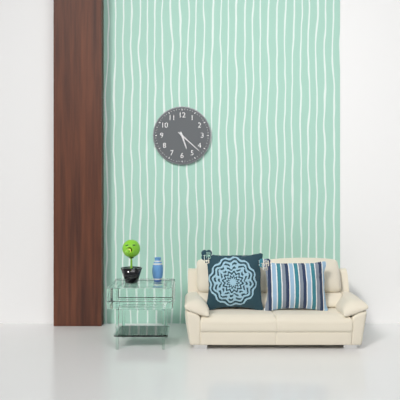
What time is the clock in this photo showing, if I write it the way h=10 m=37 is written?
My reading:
h=5 m=22
